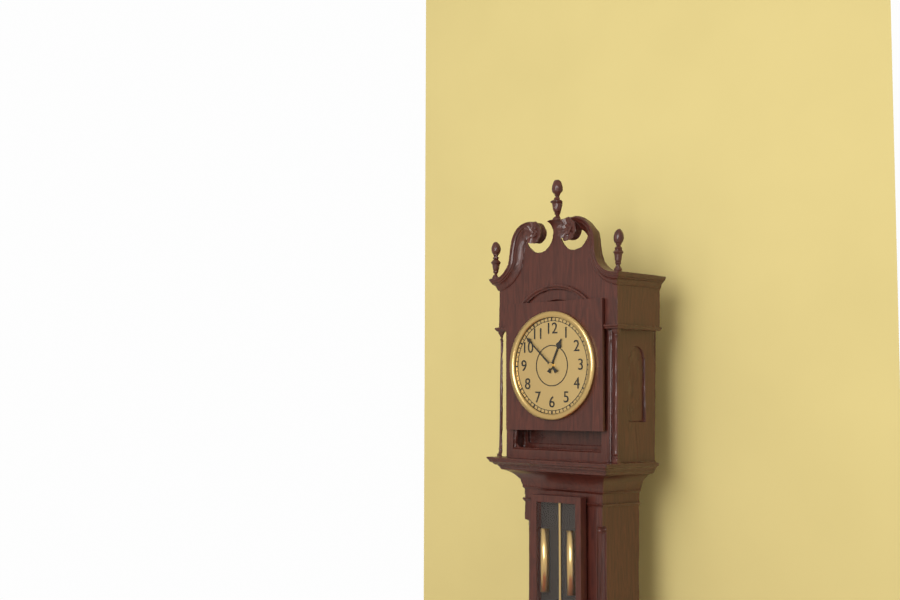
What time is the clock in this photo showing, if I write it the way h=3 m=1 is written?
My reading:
h=12 m=52
